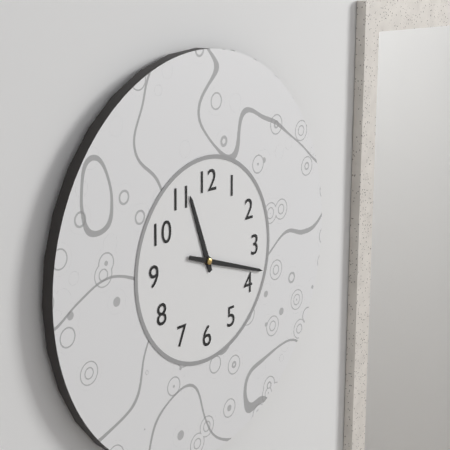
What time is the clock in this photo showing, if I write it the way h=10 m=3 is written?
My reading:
h=11 m=18
